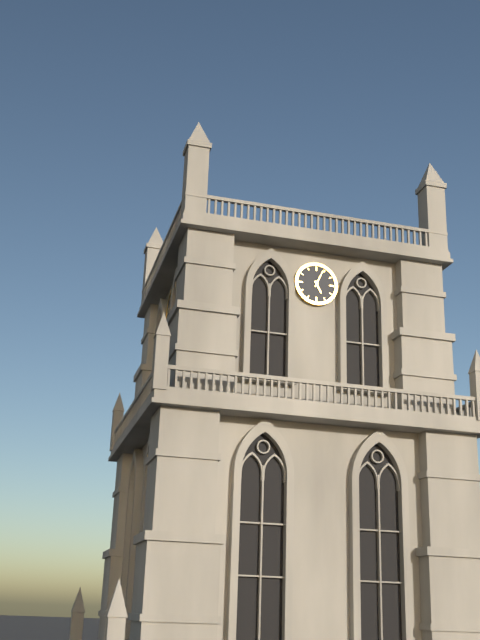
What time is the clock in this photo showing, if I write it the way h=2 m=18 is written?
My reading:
h=5 m=4
